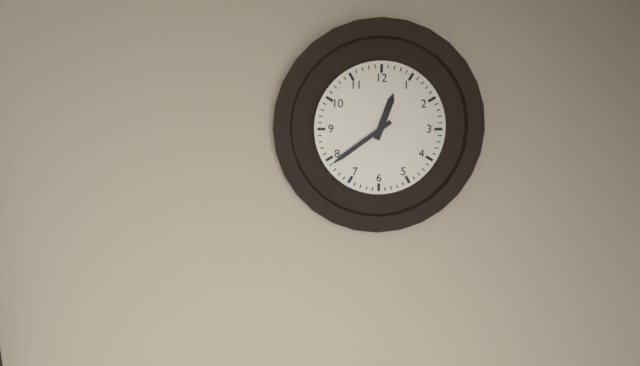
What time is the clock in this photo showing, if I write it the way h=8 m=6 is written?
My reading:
h=12 m=39
